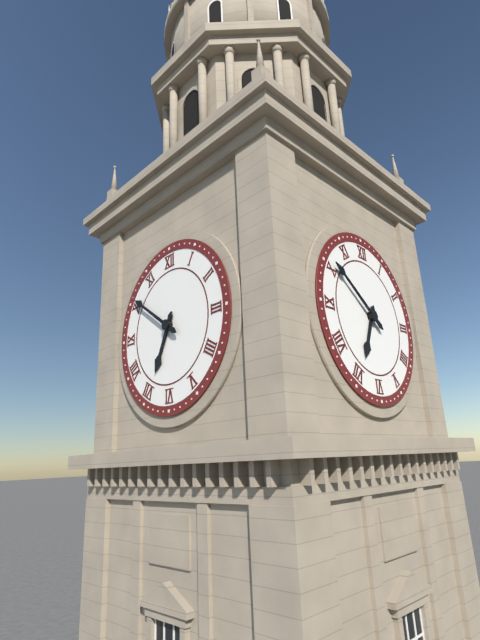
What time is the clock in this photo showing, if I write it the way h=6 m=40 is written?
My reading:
h=6 m=51
